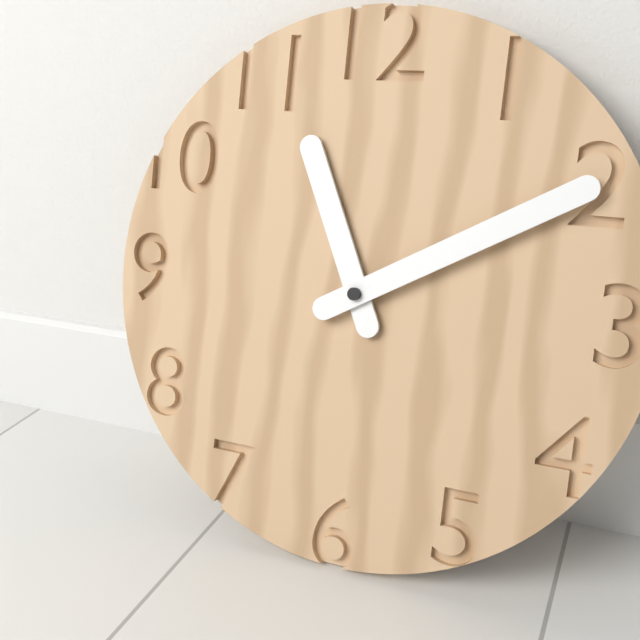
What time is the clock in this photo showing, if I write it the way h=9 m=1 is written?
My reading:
h=11 m=10
